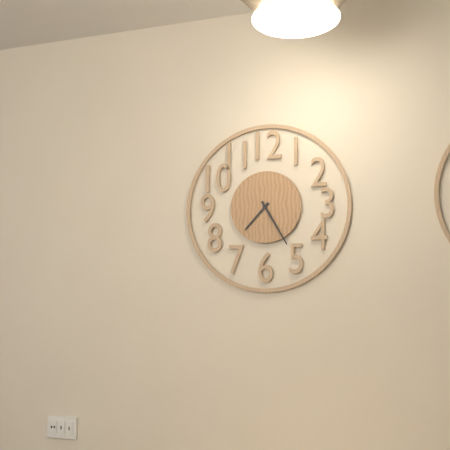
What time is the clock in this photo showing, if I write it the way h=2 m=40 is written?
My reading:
h=7 m=25
